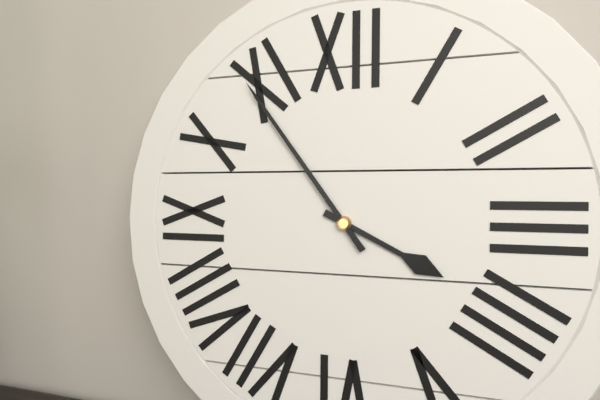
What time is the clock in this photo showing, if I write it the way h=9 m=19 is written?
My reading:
h=3 m=54
